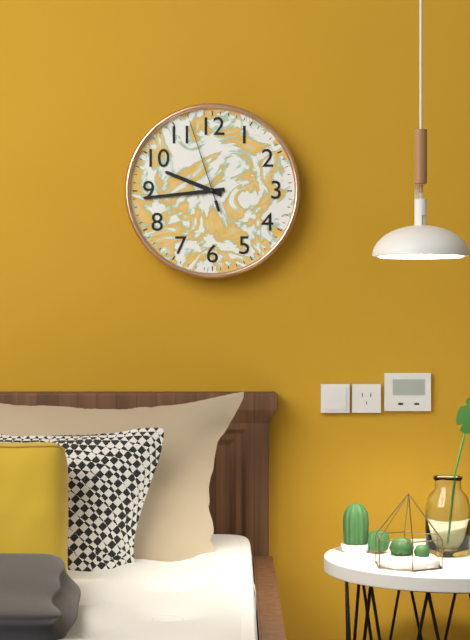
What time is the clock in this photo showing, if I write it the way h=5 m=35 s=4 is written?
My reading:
h=9 m=44 s=57
